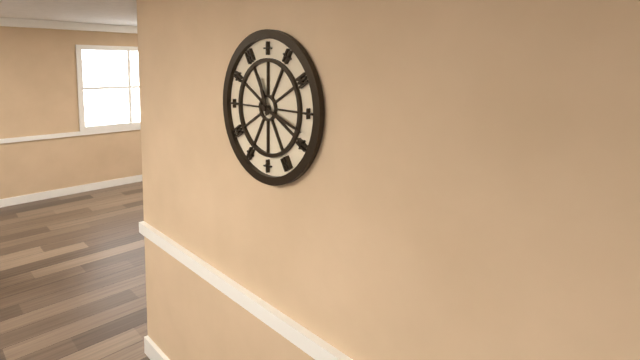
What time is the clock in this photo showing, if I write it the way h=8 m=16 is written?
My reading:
h=11 m=18
